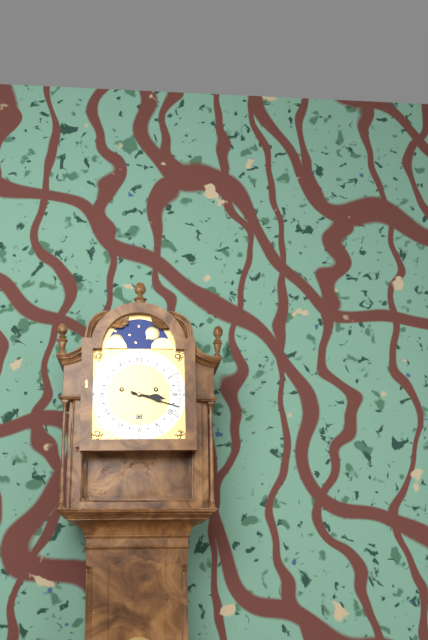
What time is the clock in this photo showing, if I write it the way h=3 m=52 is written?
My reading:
h=3 m=18
